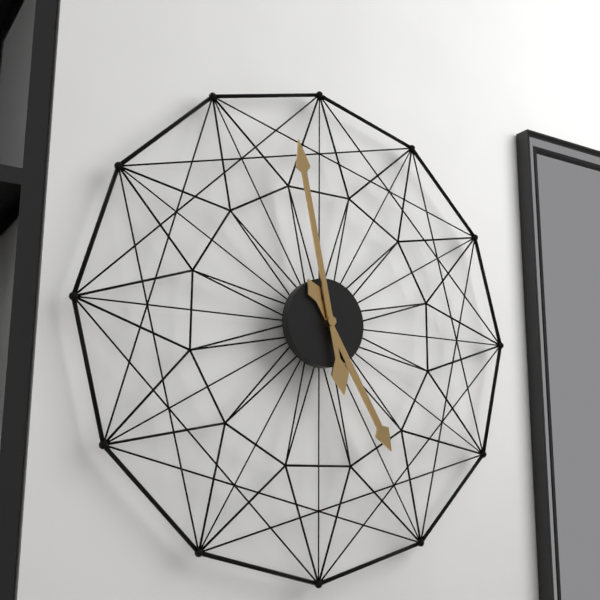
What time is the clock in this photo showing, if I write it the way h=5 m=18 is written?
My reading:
h=4 m=58
